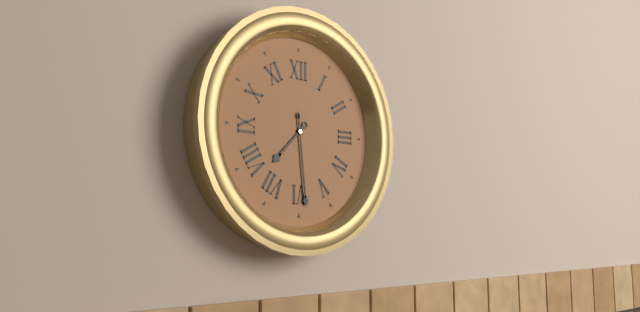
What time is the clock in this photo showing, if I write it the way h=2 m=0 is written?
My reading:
h=7 m=29
